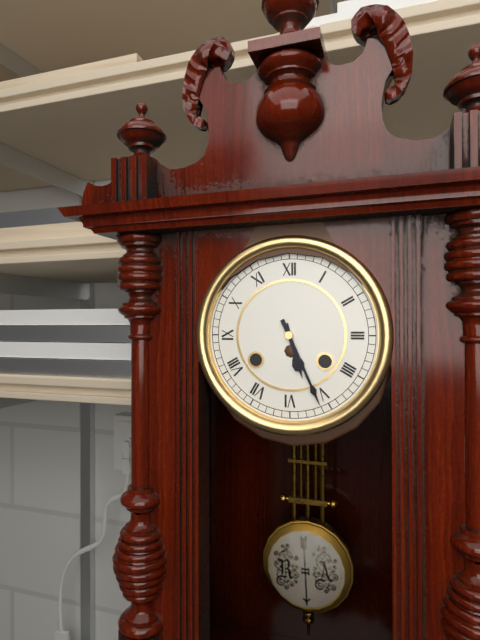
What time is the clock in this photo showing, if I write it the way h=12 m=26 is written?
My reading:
h=5 m=26
